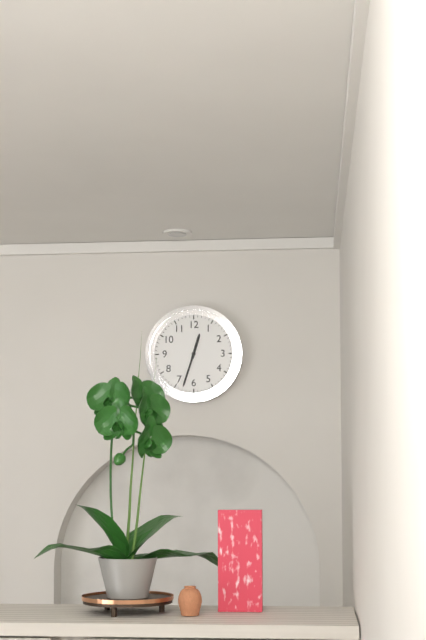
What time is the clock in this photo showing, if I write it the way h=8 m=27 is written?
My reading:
h=12 m=33
